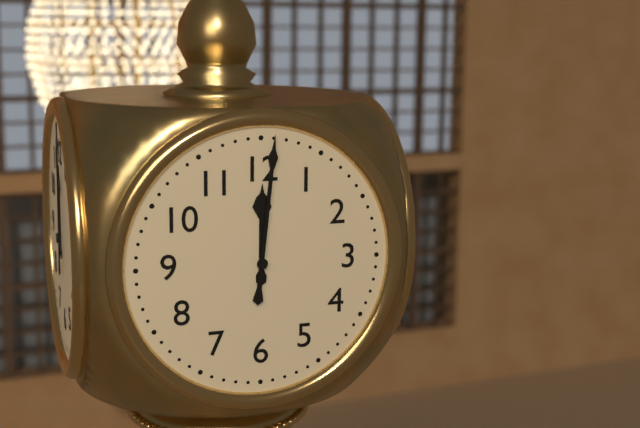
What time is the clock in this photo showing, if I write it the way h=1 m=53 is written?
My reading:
h=12 m=1
